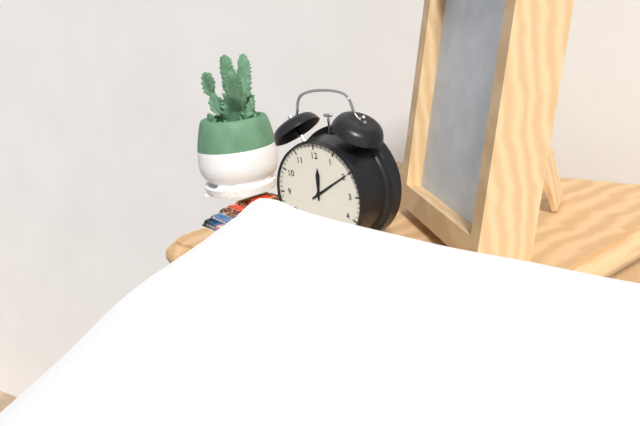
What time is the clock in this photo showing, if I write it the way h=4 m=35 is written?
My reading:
h=12 m=10
